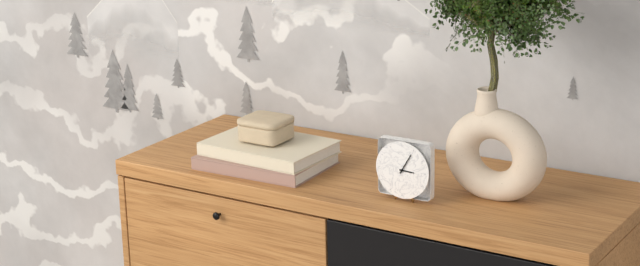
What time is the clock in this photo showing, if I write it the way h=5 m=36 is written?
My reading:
h=3 m=5
